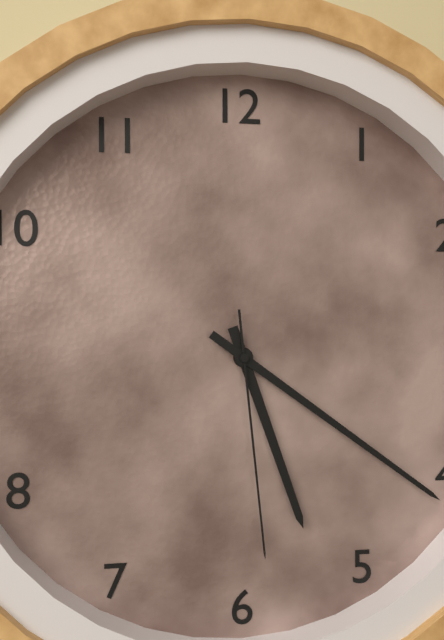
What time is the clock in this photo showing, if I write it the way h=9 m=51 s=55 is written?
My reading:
h=5 m=21 s=29
